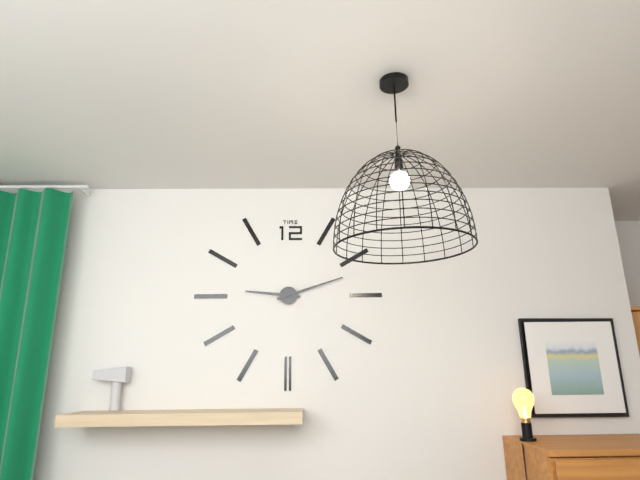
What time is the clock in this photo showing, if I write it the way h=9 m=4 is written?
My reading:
h=9 m=12
